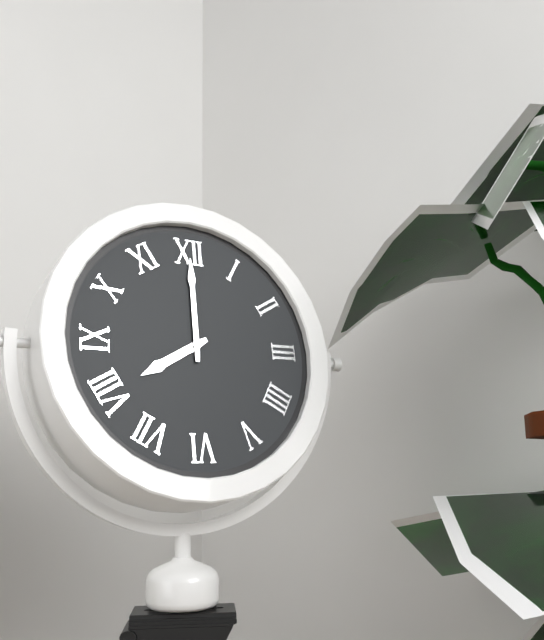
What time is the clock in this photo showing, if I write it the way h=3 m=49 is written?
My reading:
h=8 m=0
